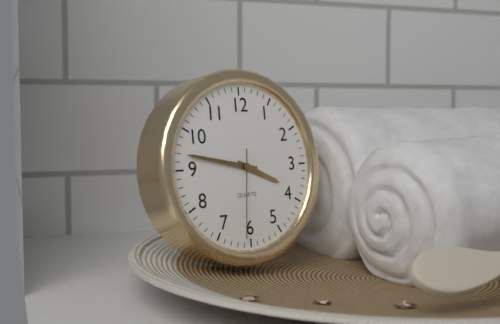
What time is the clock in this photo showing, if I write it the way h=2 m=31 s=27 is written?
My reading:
h=3 m=47 s=31
